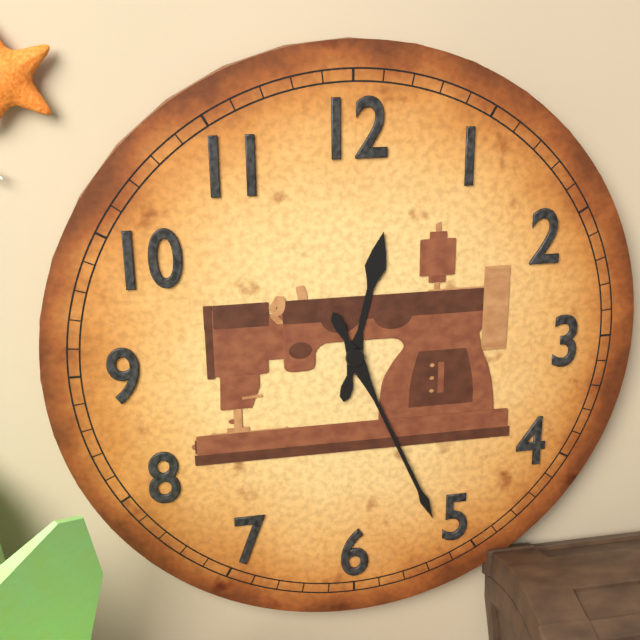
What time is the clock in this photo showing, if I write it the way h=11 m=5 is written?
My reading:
h=12 m=26
